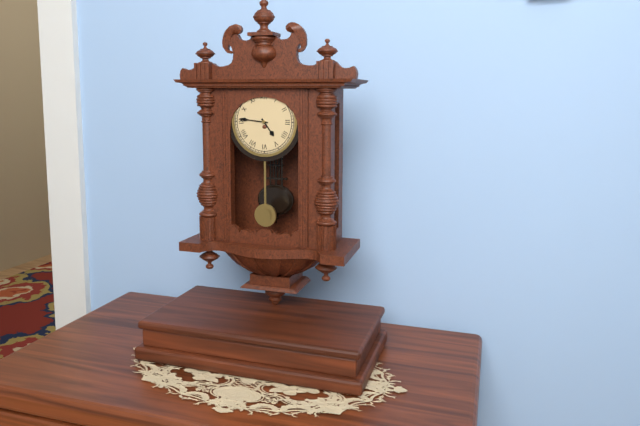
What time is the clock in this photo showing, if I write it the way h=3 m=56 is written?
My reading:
h=4 m=46
